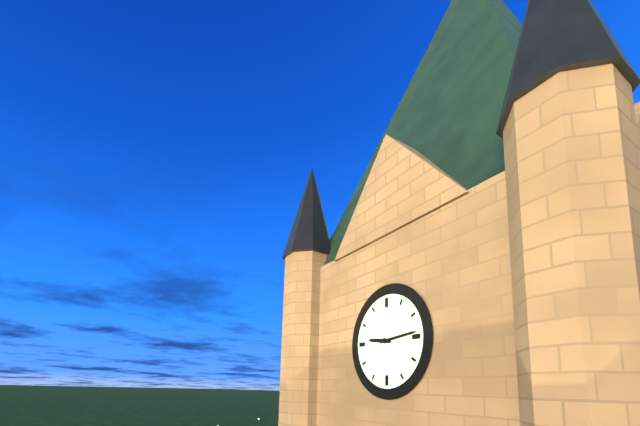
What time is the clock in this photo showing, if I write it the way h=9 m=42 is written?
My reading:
h=9 m=14
